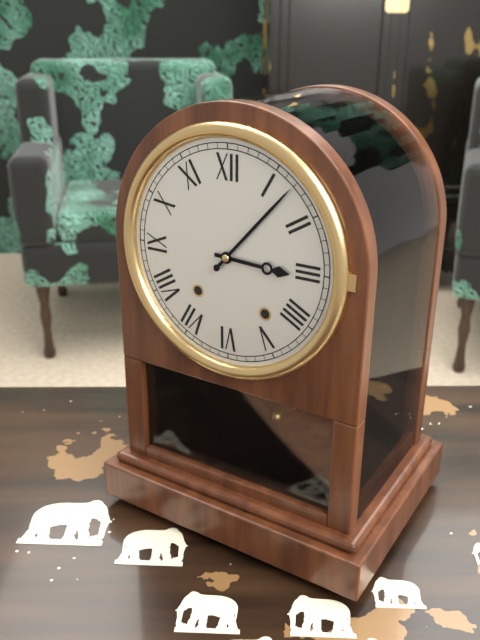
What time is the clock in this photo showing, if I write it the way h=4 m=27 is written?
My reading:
h=3 m=7
